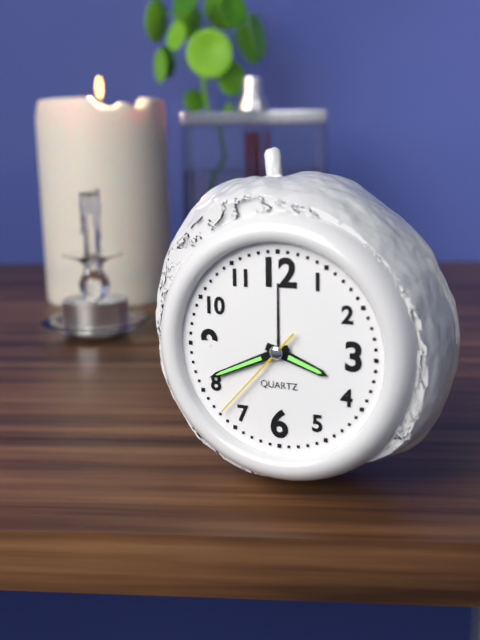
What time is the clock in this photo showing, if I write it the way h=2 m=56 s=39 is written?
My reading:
h=3 m=41 s=37
